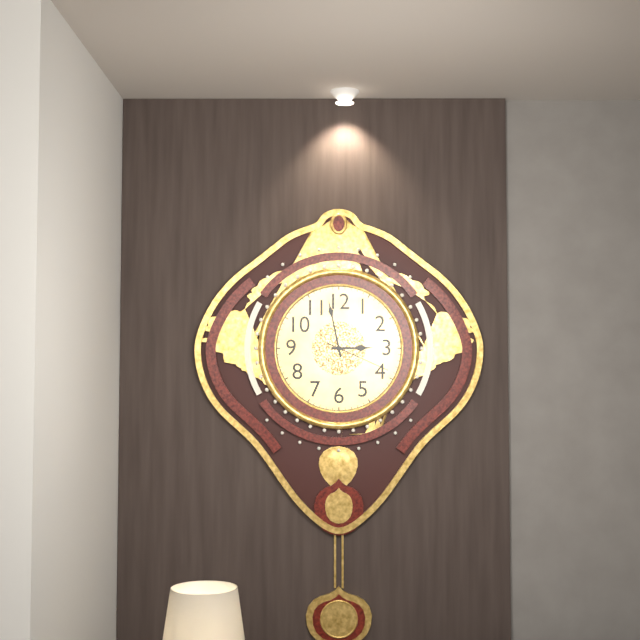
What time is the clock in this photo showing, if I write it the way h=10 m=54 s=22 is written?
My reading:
h=2 m=58 s=19
